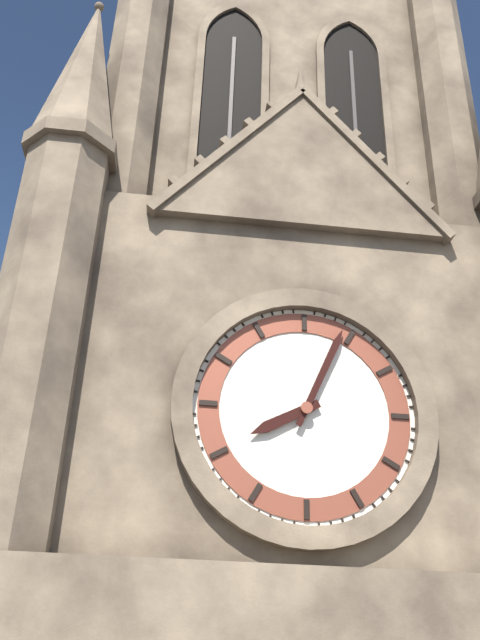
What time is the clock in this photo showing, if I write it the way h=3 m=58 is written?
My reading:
h=8 m=4
